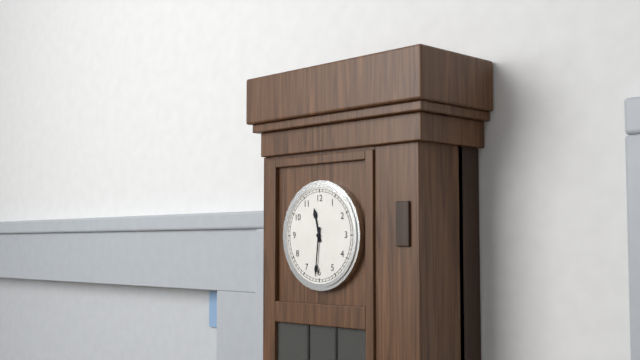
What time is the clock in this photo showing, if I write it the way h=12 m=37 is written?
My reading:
h=11 m=31
